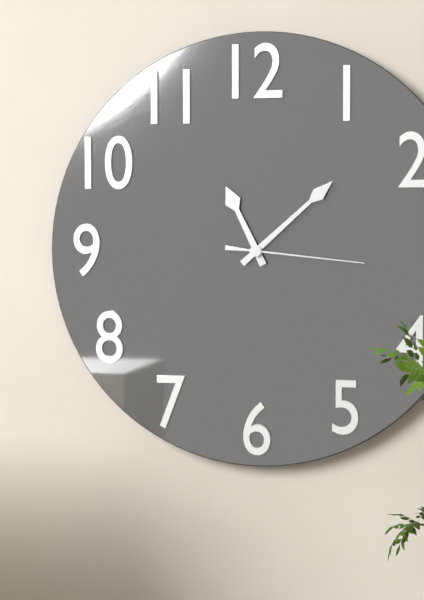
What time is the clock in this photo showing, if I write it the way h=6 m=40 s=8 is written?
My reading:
h=11 m=8 s=16
